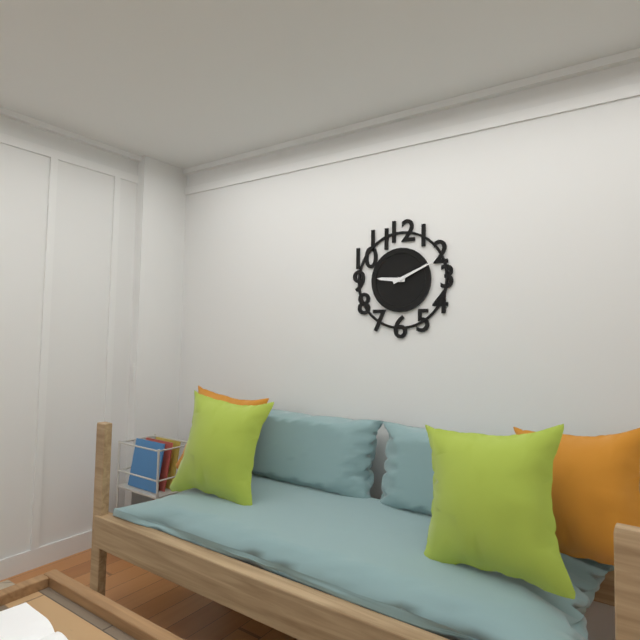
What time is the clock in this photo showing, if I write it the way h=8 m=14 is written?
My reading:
h=9 m=11
